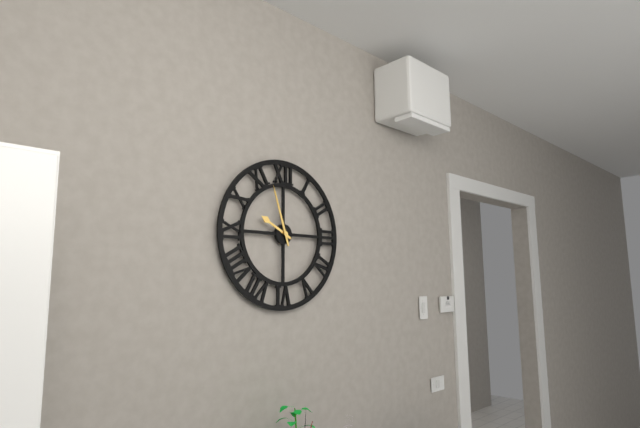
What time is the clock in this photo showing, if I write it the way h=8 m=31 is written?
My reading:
h=9 m=57
